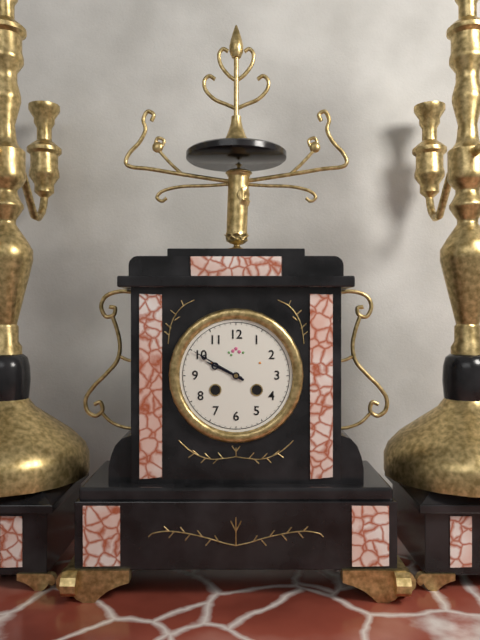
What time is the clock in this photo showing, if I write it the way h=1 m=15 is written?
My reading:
h=9 m=50
